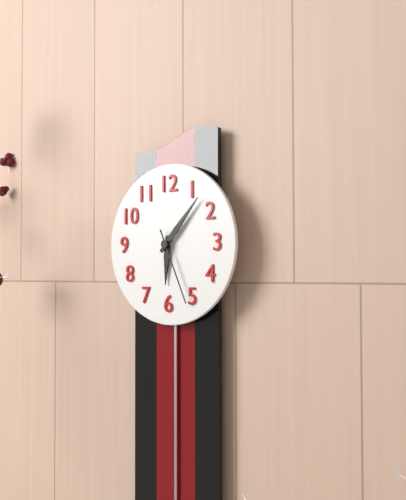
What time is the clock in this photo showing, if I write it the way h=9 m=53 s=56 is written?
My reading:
h=6 m=7 s=26
